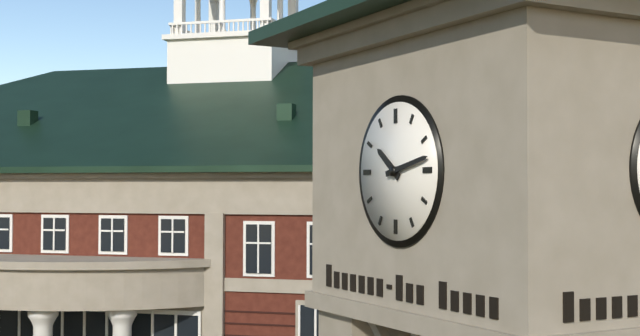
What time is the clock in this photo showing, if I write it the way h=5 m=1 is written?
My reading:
h=10 m=13
